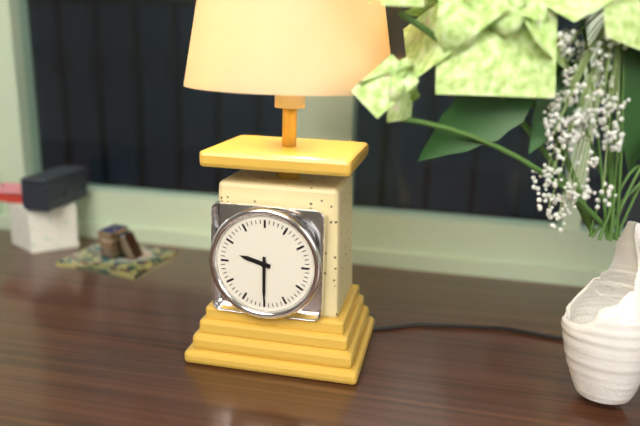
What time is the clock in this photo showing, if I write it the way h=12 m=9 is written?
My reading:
h=9 m=30
